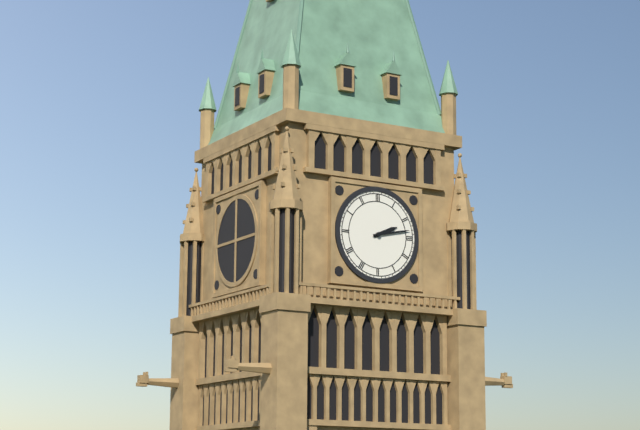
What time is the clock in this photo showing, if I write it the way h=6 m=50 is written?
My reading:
h=2 m=13
